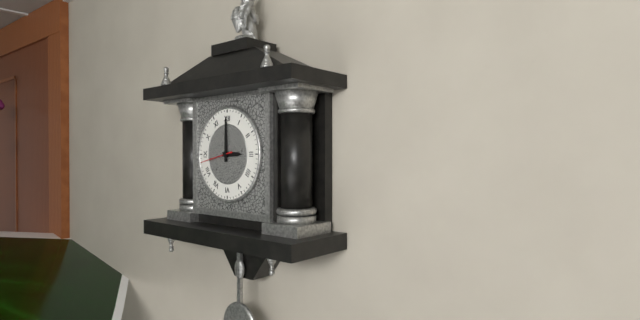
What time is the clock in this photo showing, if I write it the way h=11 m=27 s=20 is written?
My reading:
h=3 m=0 s=43
